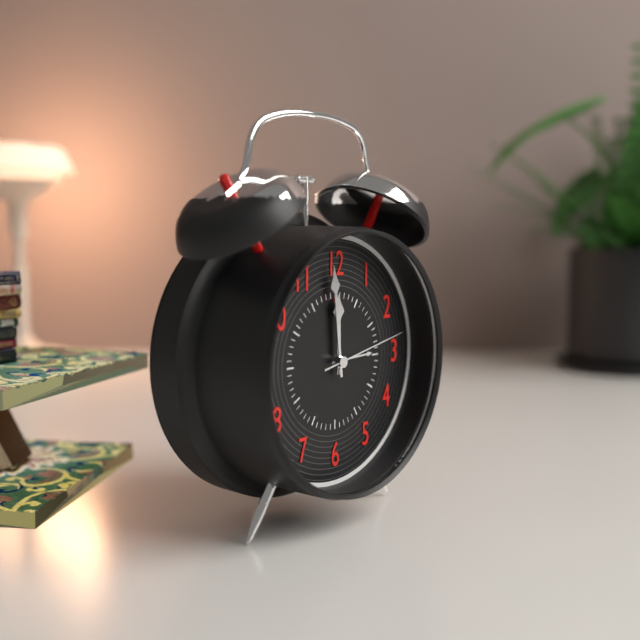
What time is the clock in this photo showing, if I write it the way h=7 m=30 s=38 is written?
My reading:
h=11 m=59 s=13
